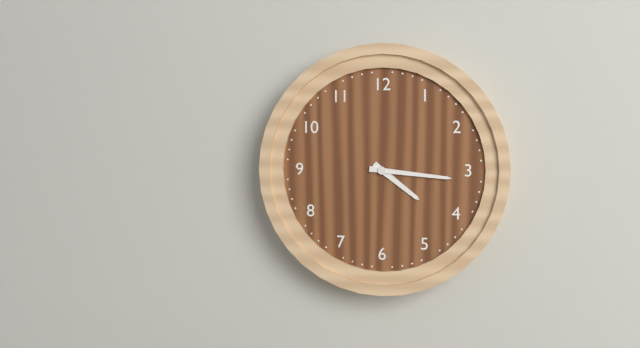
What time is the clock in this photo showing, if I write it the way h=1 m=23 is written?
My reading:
h=4 m=16
